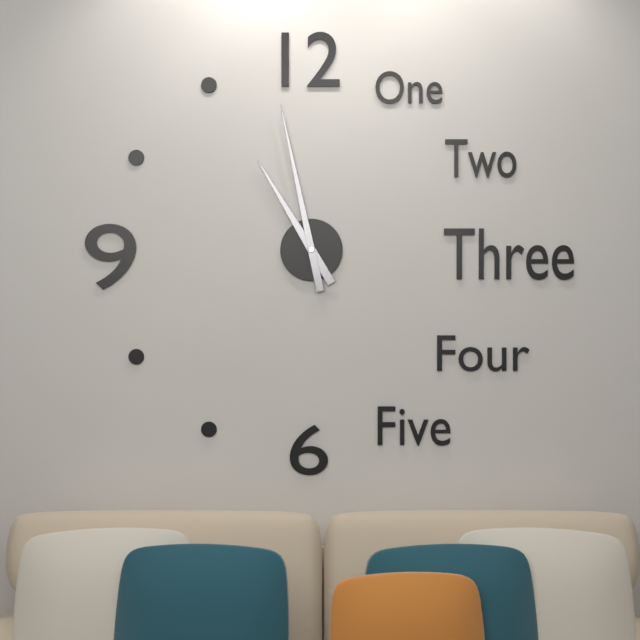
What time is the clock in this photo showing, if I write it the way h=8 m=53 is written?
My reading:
h=10 m=58
